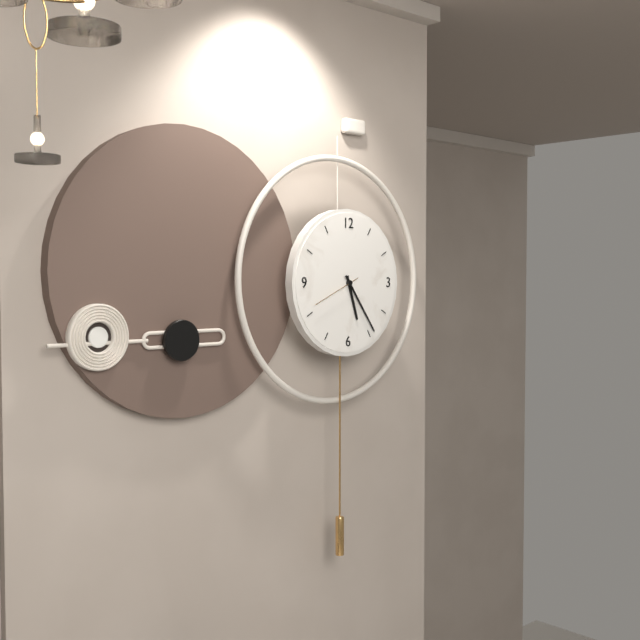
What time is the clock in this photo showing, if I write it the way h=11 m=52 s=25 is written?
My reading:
h=5 m=24 s=41
